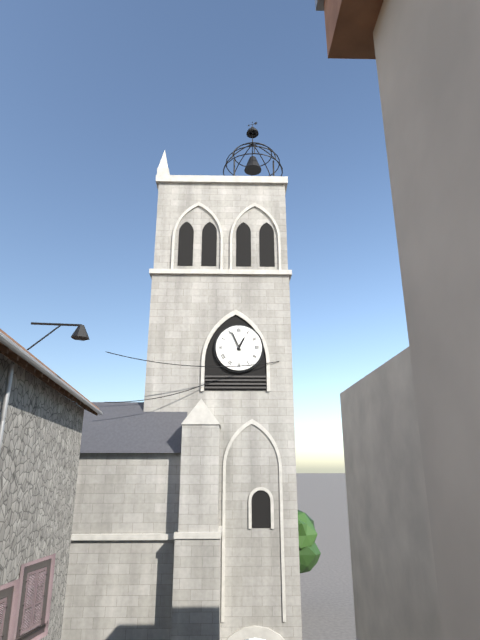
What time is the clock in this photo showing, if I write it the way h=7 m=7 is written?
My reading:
h=12 m=56
